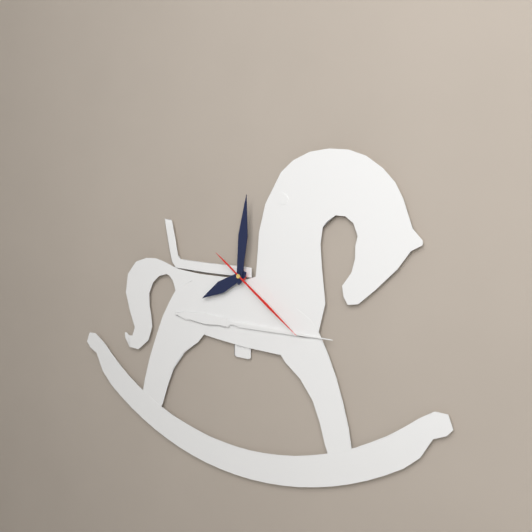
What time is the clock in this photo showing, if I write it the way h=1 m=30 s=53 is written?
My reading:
h=8 m=1 s=21
